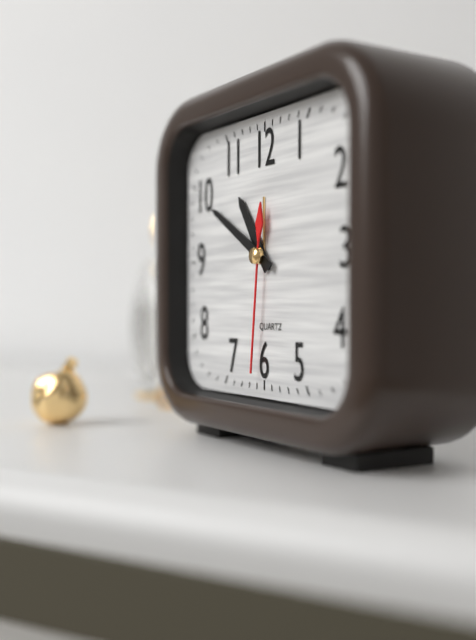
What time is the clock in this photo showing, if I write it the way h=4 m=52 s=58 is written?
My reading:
h=10 m=50 s=31
